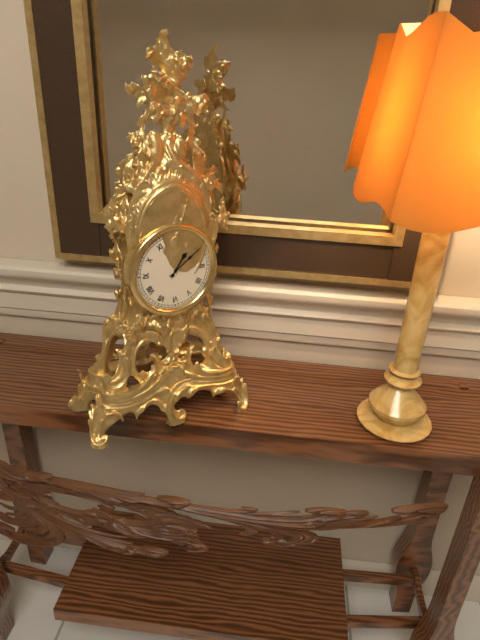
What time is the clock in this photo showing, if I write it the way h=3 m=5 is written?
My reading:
h=1 m=9
